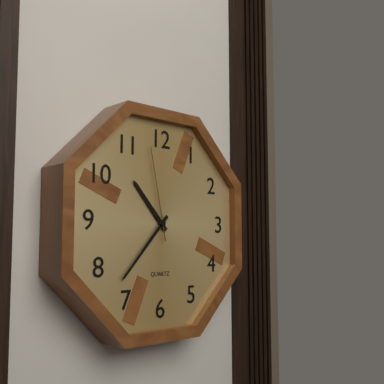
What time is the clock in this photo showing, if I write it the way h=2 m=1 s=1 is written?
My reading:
h=10 m=37 s=58
